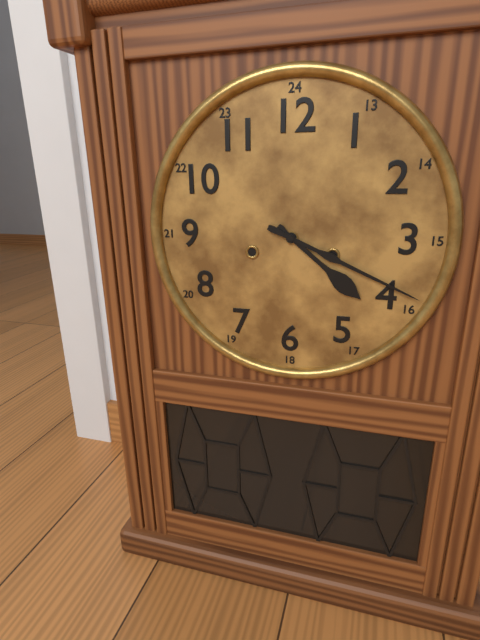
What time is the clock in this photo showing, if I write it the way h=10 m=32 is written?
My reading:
h=4 m=19
